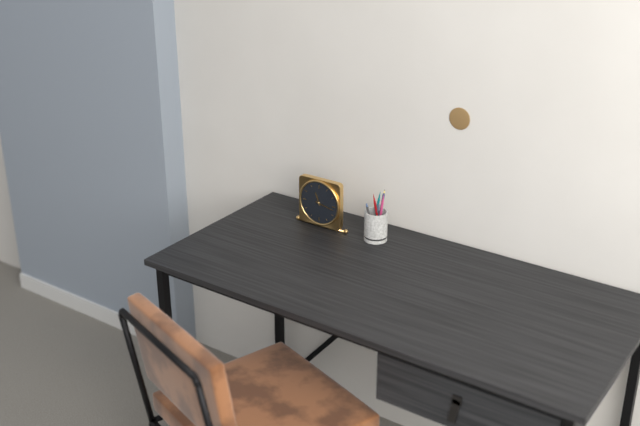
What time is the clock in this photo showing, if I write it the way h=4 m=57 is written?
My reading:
h=11 m=17
